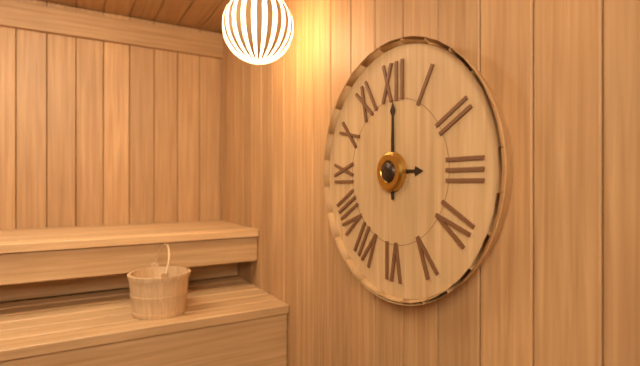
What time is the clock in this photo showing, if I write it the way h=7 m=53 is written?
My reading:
h=3 m=0
